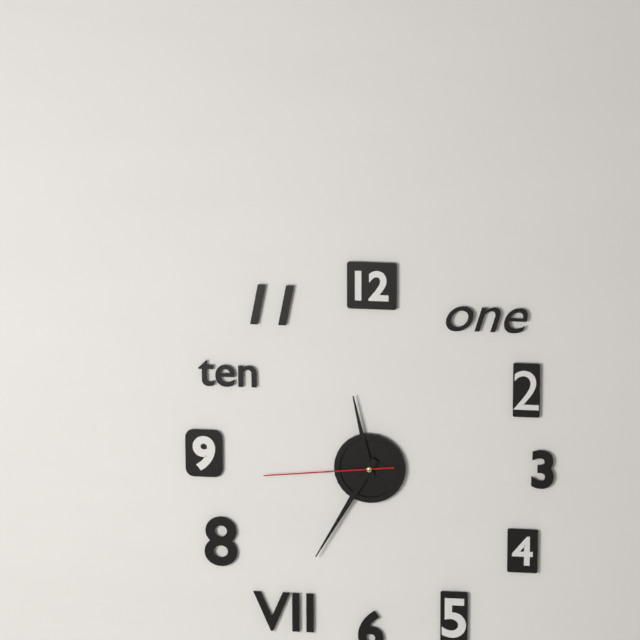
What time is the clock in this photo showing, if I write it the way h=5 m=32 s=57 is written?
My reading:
h=11 m=35 s=44
